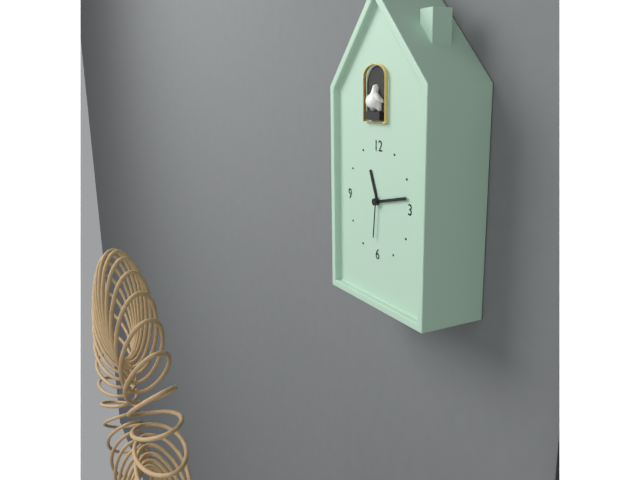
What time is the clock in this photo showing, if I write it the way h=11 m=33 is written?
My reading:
h=11 m=13
